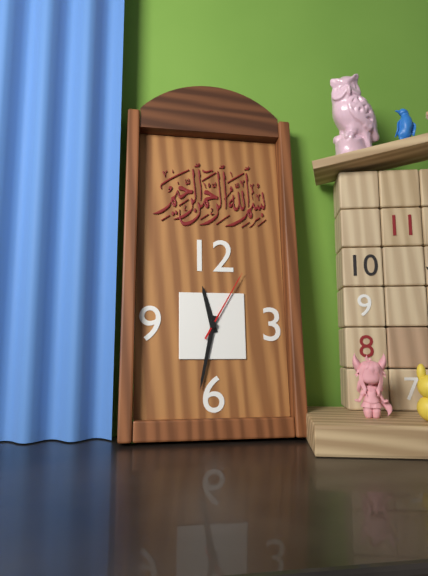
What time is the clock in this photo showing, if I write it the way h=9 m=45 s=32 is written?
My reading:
h=11 m=32 s=5
